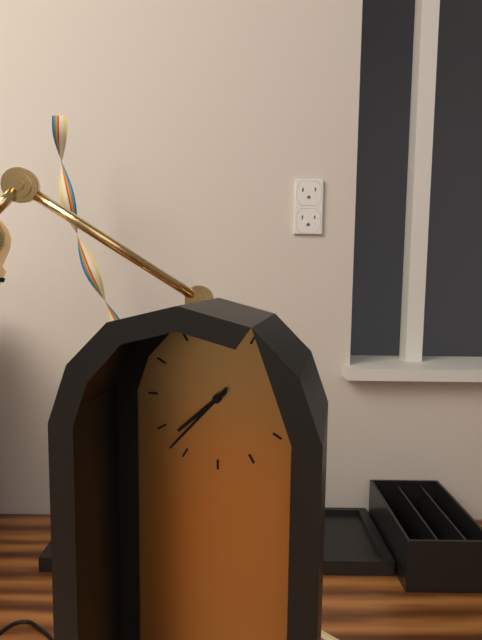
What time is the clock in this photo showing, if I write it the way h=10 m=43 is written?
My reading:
h=7 m=37
